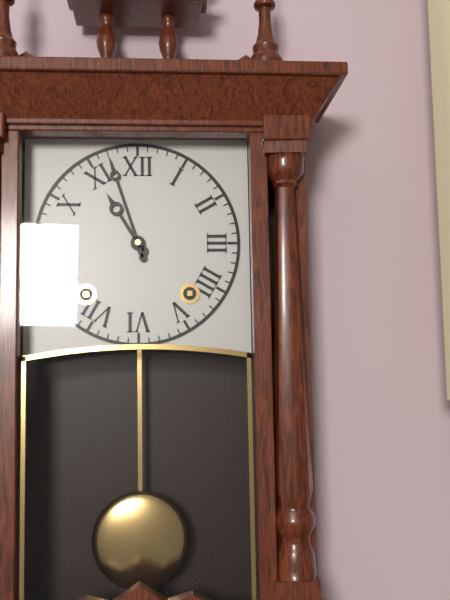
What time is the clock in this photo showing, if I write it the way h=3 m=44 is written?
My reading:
h=10 m=57
